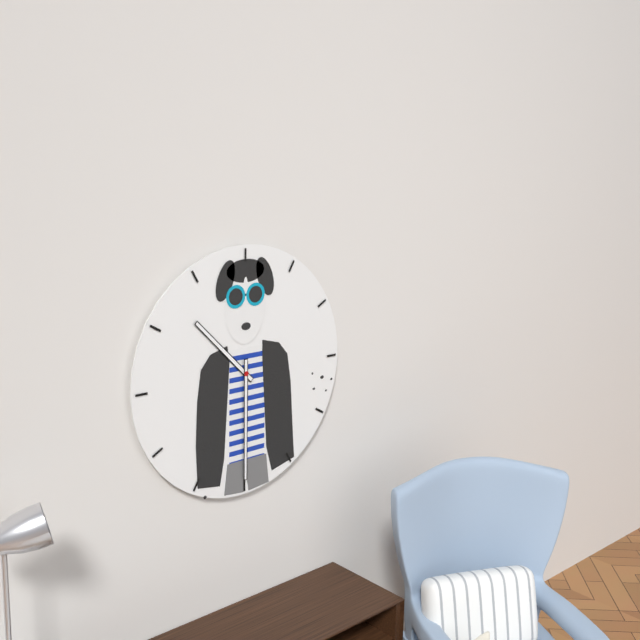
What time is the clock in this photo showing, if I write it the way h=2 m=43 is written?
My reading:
h=10 m=30
